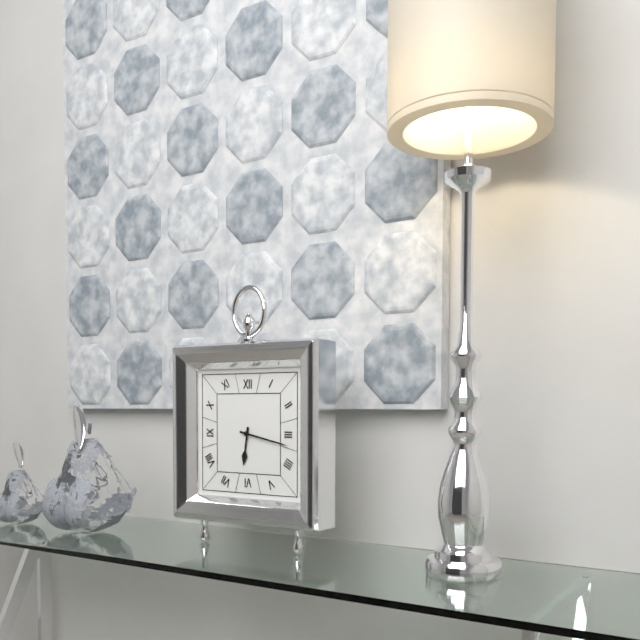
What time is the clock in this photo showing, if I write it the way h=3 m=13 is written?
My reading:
h=6 m=17
